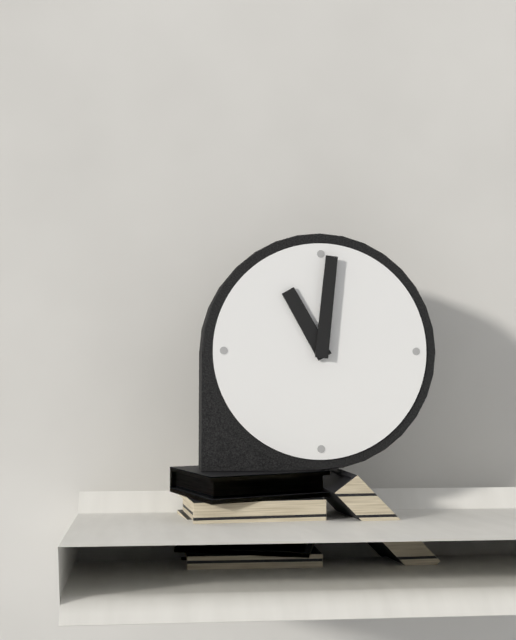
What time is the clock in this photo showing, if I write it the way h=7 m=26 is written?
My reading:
h=11 m=1
